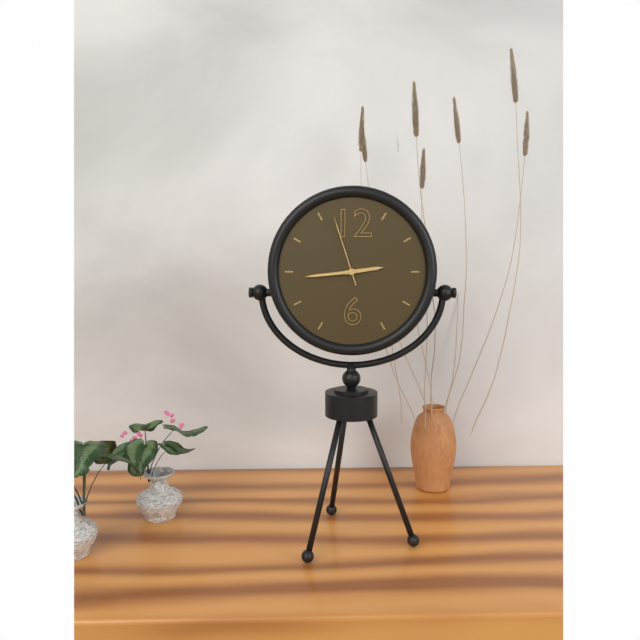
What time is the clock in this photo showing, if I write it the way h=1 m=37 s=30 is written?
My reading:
h=2 m=44 s=57
